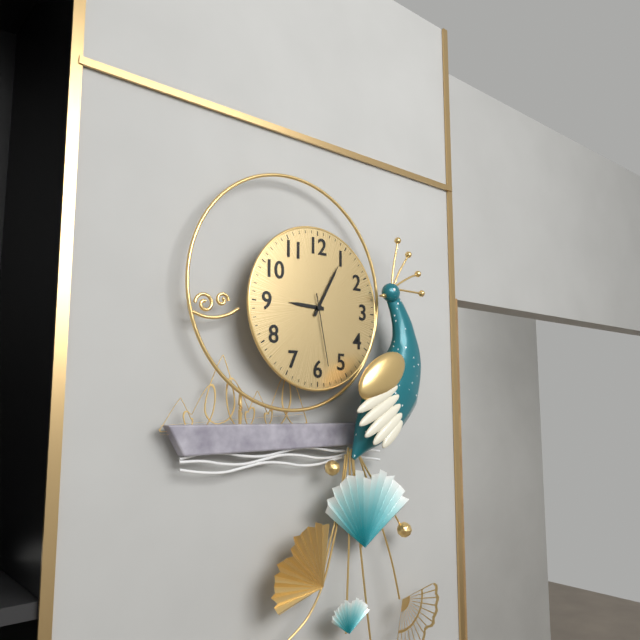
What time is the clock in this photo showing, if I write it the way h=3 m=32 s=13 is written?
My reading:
h=9 m=5 s=28
